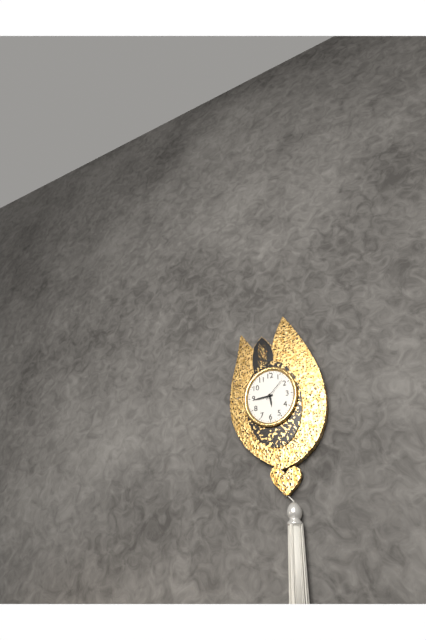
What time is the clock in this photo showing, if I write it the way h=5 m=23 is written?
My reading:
h=5 m=44
